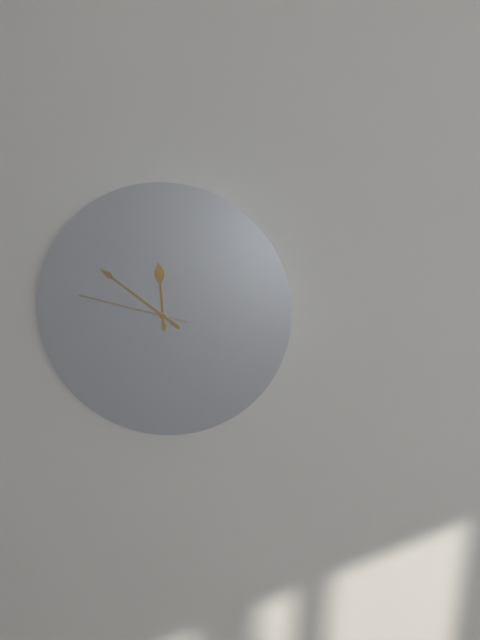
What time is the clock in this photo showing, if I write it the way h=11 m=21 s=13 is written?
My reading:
h=11 m=51 s=47
